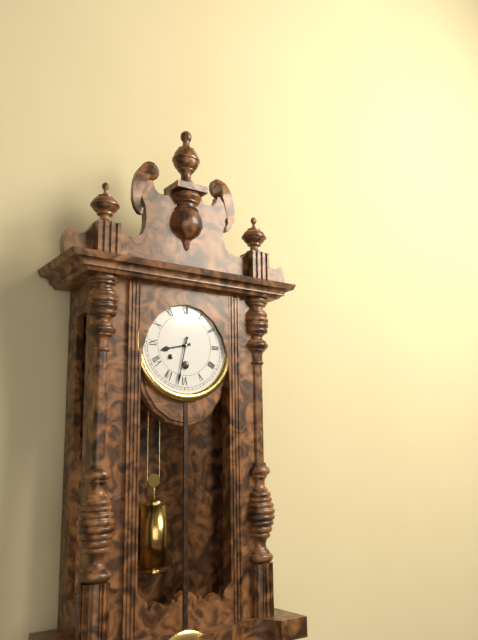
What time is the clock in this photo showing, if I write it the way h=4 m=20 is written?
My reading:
h=8 m=32
